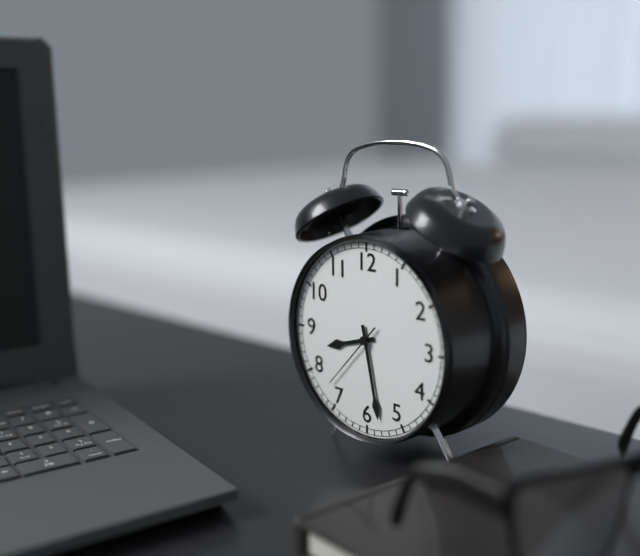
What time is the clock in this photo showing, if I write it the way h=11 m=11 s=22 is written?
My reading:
h=8 m=28 s=37
